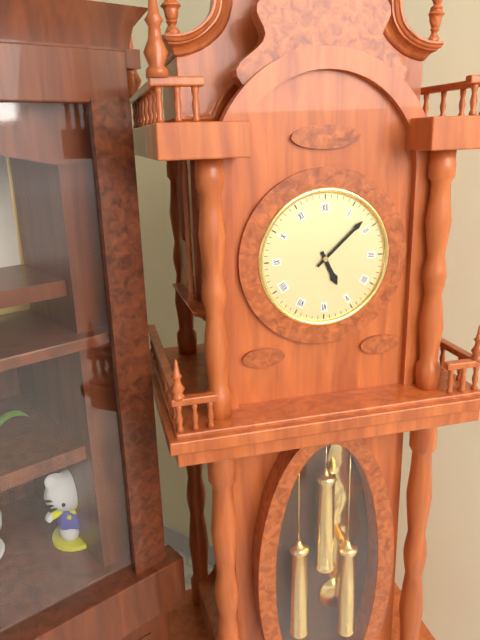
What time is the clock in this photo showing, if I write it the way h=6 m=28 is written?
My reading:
h=5 m=8
